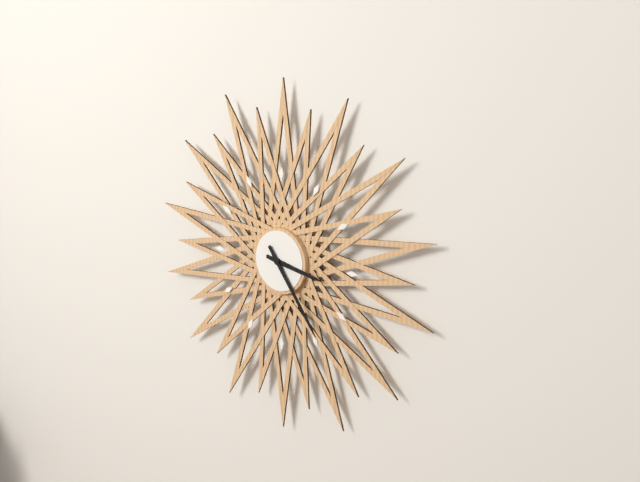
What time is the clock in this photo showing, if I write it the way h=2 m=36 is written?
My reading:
h=3 m=24
